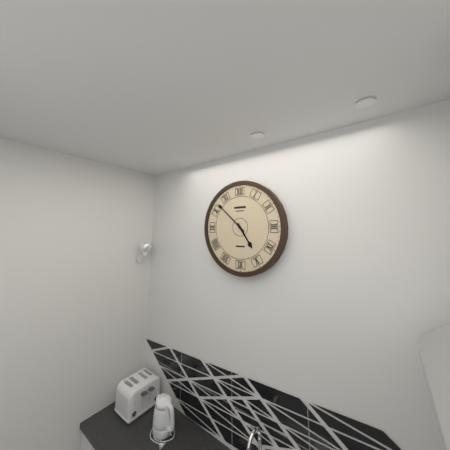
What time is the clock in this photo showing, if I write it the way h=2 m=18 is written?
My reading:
h=4 m=52
